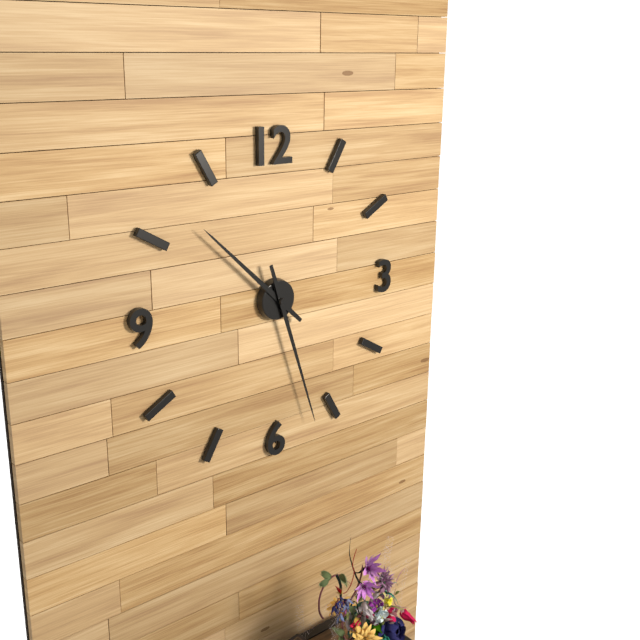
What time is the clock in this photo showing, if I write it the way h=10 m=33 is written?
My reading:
h=10 m=27
